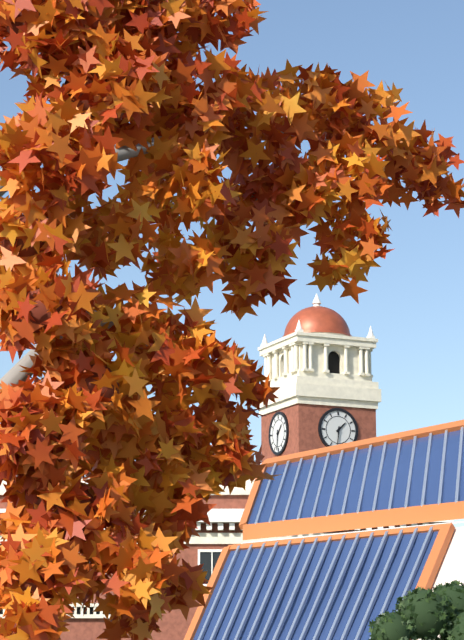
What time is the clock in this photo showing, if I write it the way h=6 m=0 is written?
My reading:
h=1 m=31
